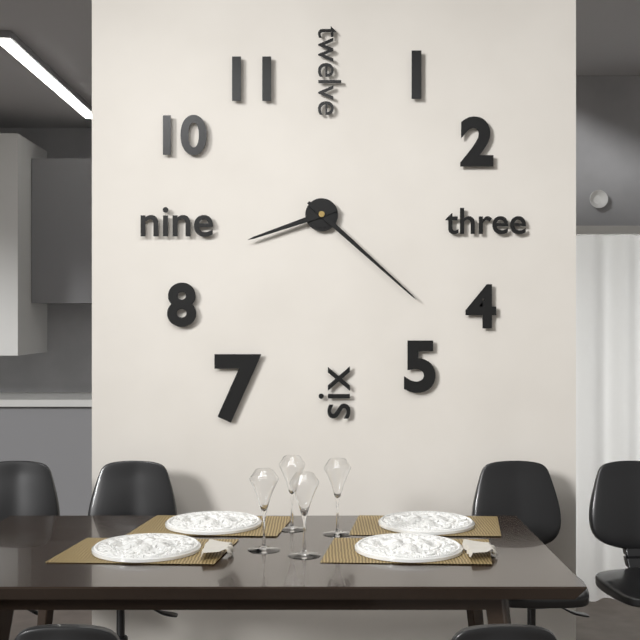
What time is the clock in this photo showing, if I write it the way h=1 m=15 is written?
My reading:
h=8 m=22
